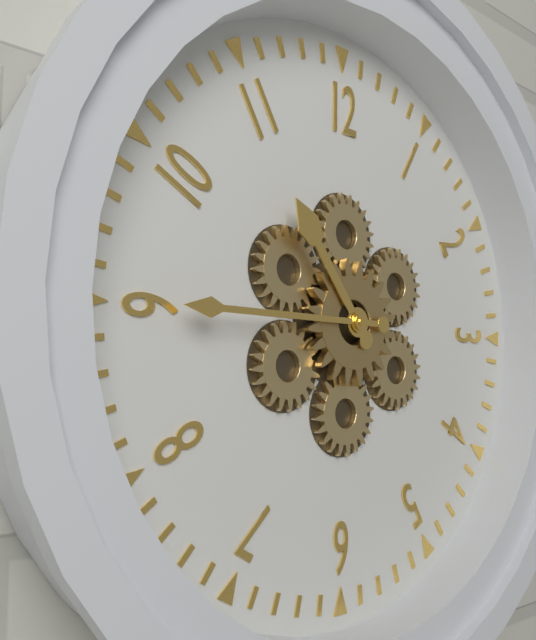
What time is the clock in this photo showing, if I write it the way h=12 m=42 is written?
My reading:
h=10 m=45
